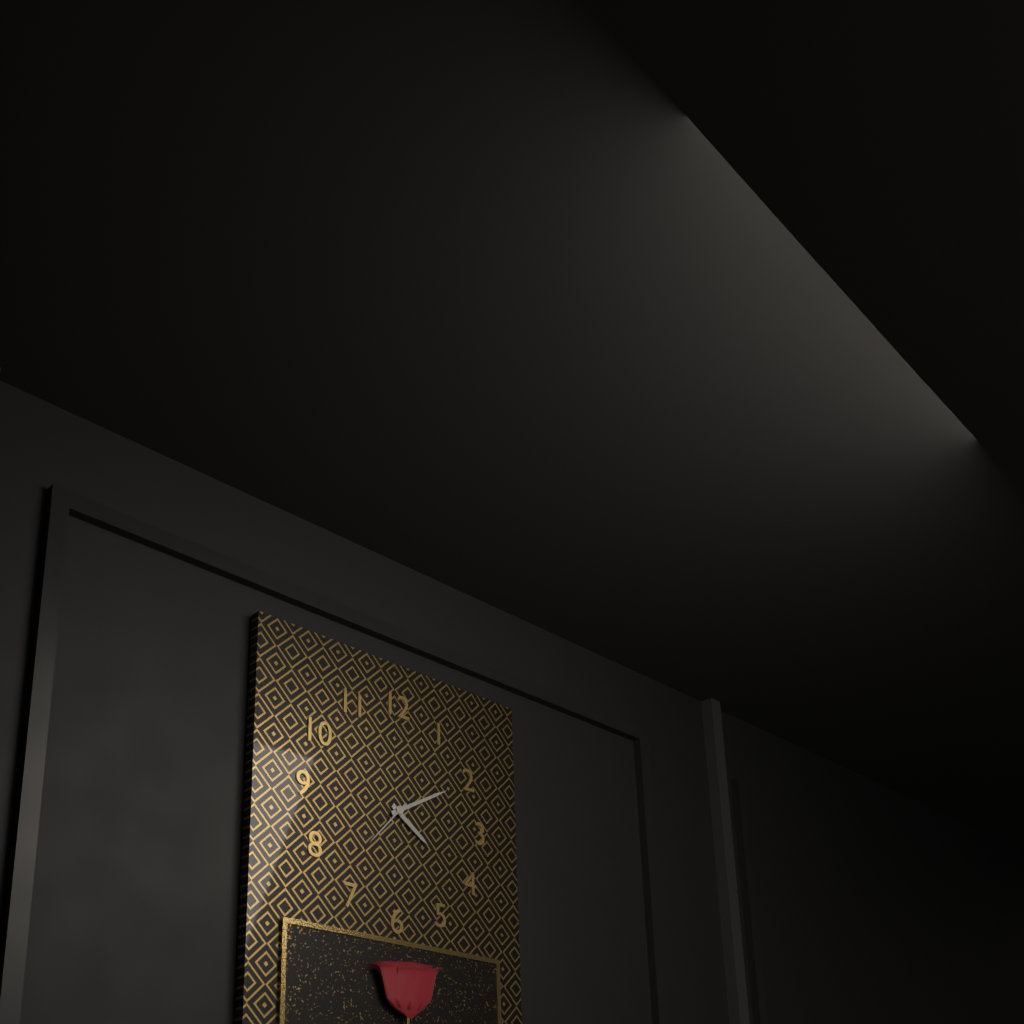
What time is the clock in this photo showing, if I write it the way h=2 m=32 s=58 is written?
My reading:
h=4 m=10 s=37
